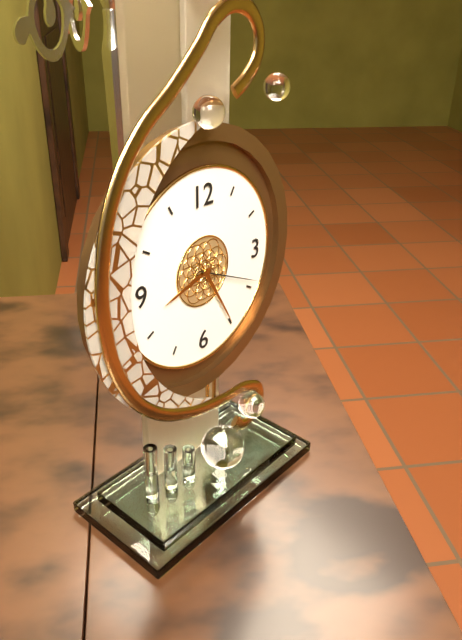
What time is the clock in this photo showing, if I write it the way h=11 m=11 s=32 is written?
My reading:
h=8 m=25 s=19
